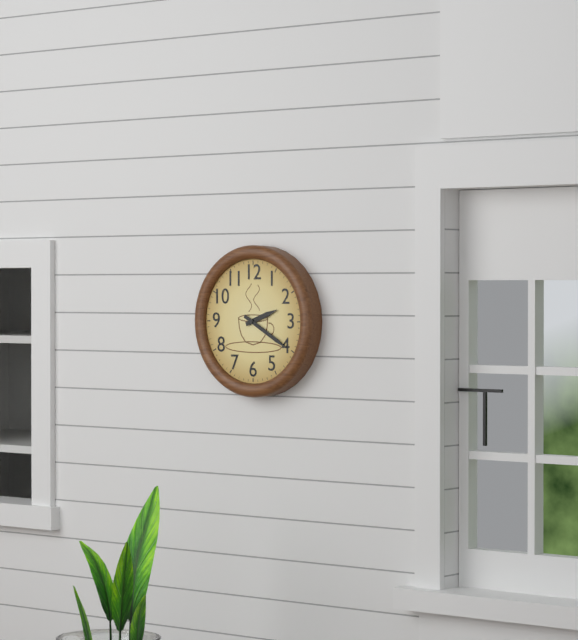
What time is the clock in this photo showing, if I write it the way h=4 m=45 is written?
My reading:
h=2 m=20
